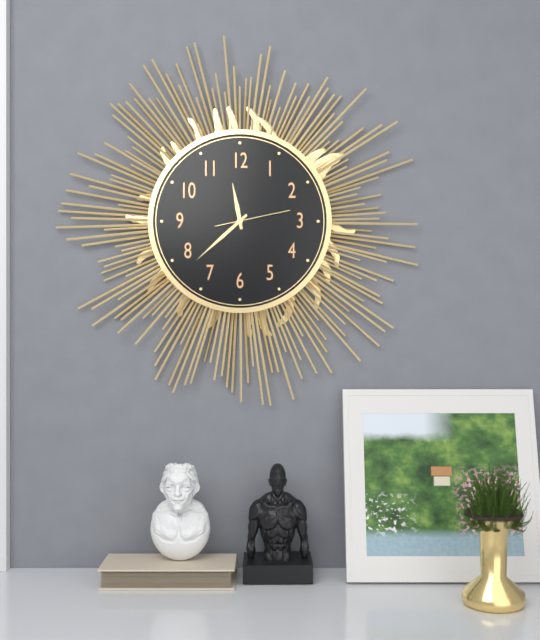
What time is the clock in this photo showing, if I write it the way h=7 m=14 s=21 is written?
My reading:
h=11 m=38 s=13
